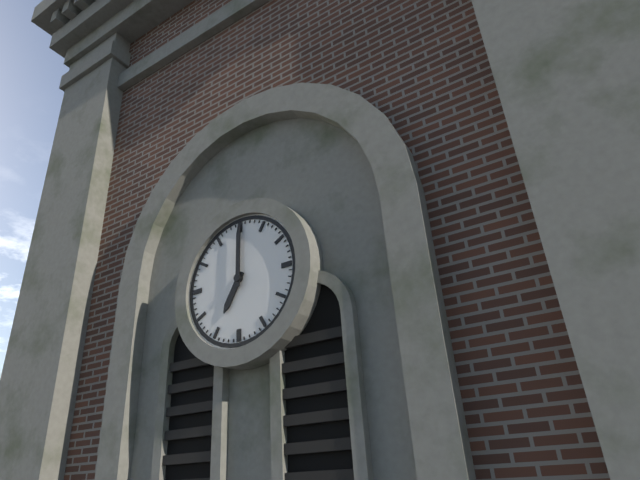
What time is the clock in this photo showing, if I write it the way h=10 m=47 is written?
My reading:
h=7 m=0
